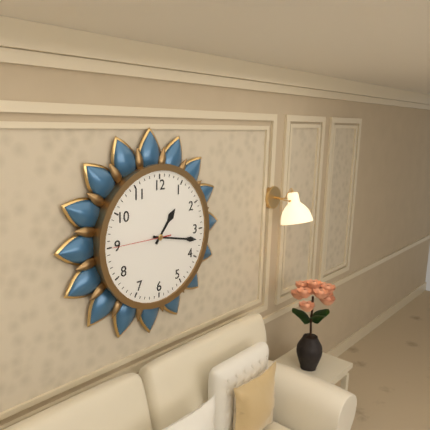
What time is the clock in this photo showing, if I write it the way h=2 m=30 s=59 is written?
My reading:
h=1 m=17 s=45
